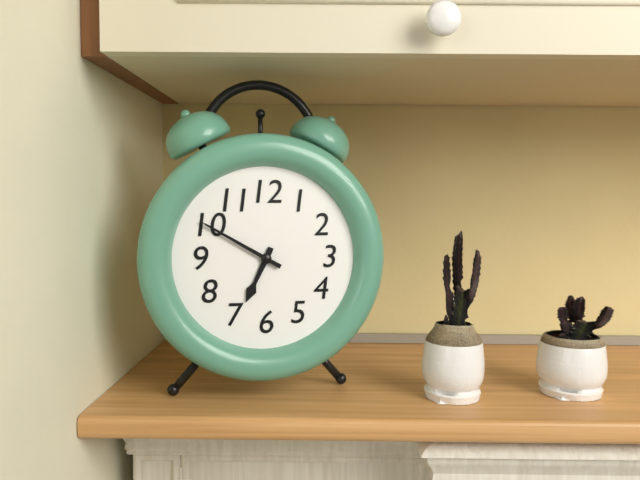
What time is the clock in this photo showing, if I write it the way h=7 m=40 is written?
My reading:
h=6 m=50
